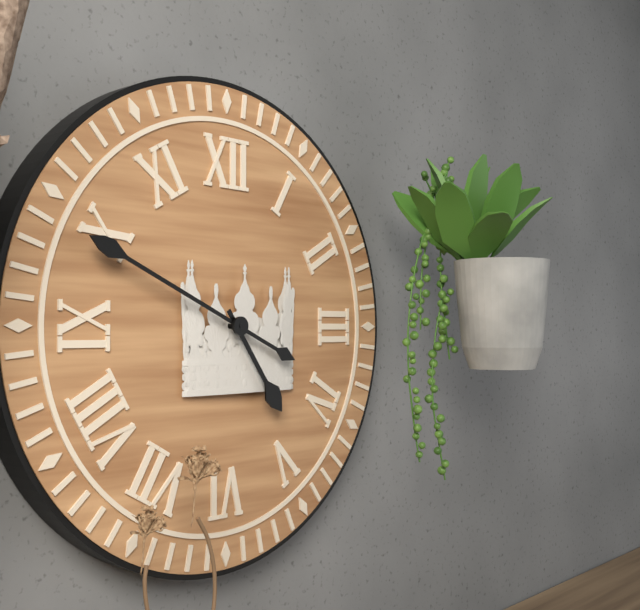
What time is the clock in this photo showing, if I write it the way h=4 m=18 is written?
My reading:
h=4 m=49
